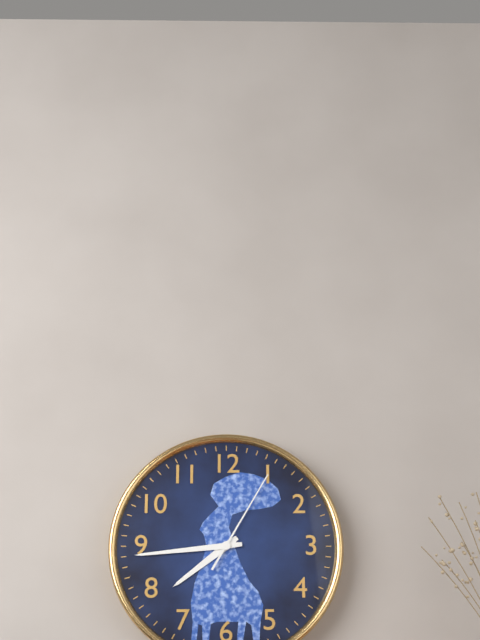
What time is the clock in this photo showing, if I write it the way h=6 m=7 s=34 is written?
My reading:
h=7 m=44 s=5
